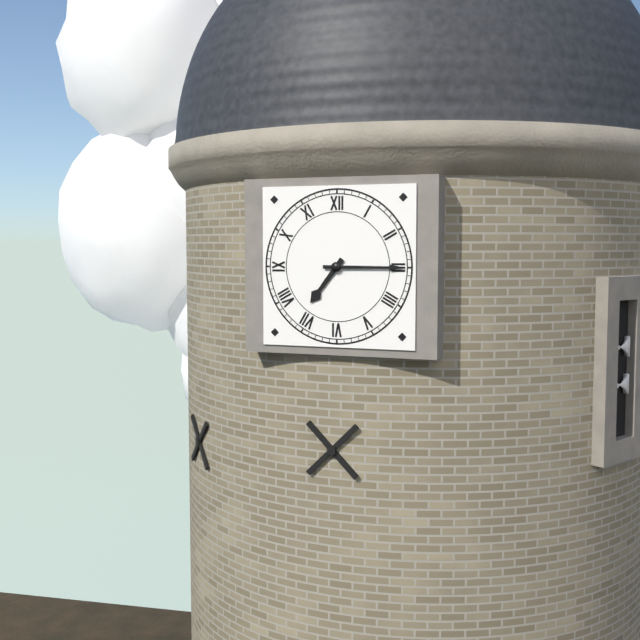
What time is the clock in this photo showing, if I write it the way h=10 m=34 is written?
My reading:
h=7 m=15
